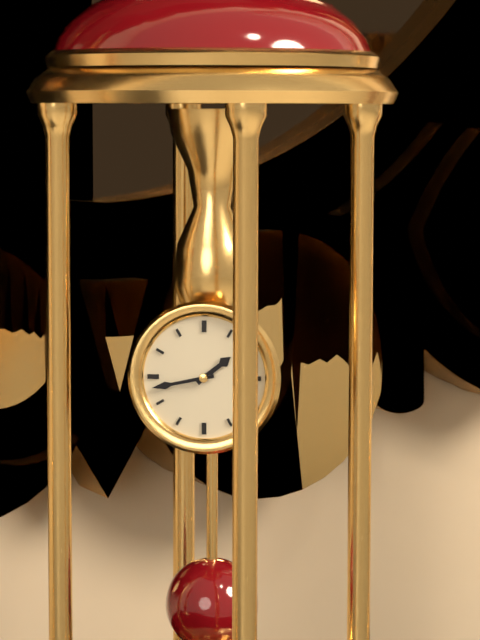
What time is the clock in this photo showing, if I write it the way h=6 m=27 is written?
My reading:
h=1 m=43
